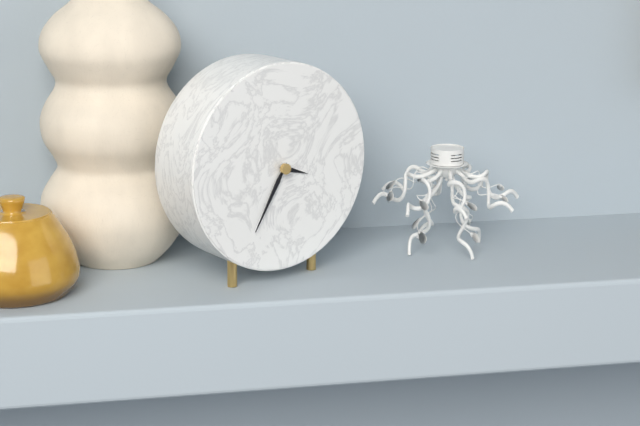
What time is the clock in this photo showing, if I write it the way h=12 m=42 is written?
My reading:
h=3 m=35
